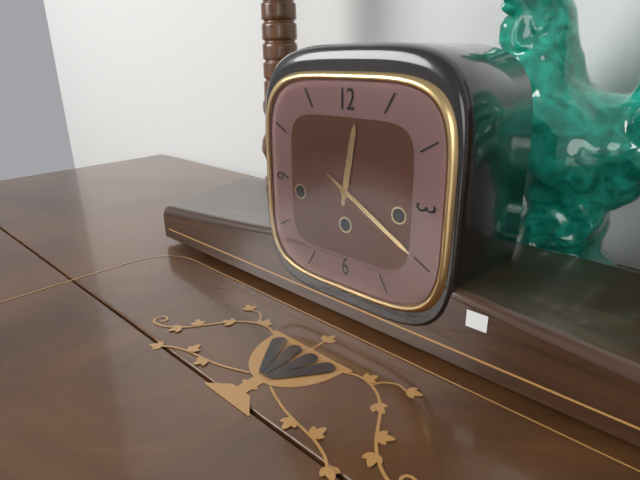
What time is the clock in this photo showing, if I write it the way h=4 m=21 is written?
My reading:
h=12 m=20
